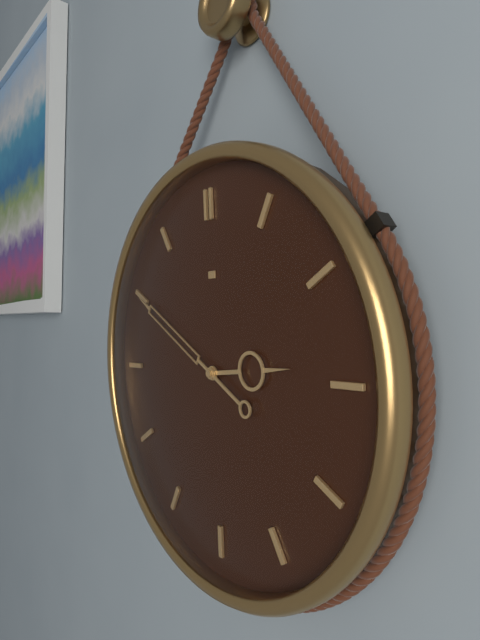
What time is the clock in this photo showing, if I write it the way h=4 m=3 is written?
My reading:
h=2 m=50
